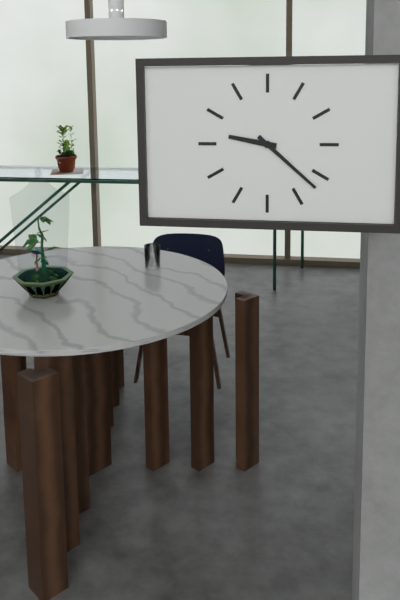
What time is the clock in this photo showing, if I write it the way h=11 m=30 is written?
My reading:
h=9 m=22
